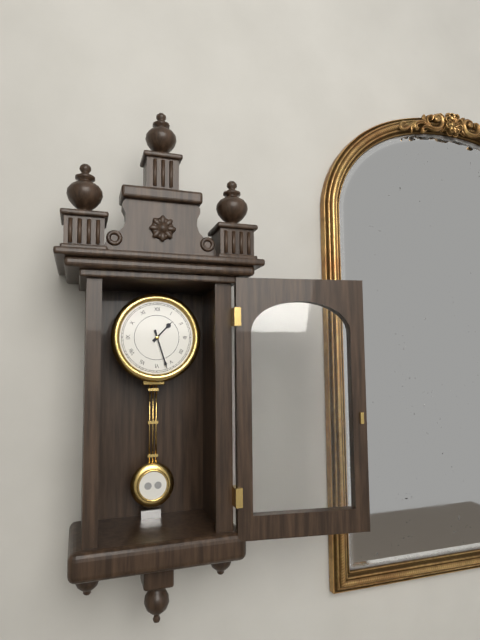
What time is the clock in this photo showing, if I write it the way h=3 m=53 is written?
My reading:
h=1 m=27
